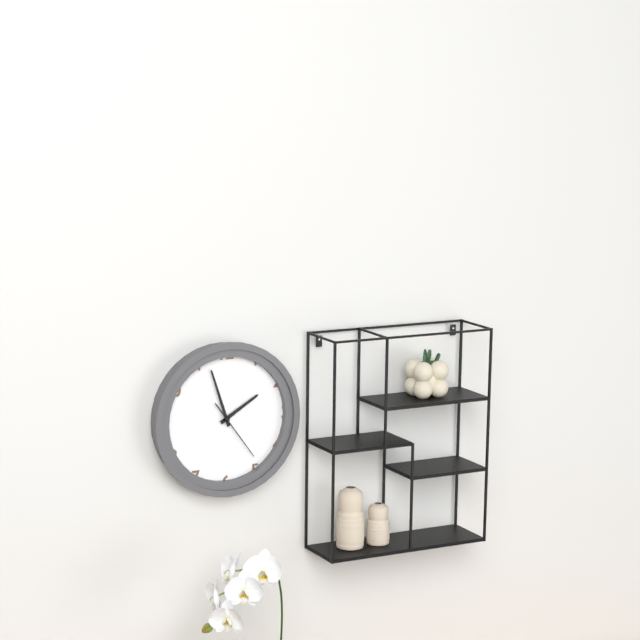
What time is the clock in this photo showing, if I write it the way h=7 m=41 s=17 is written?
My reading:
h=1 m=57 s=24
